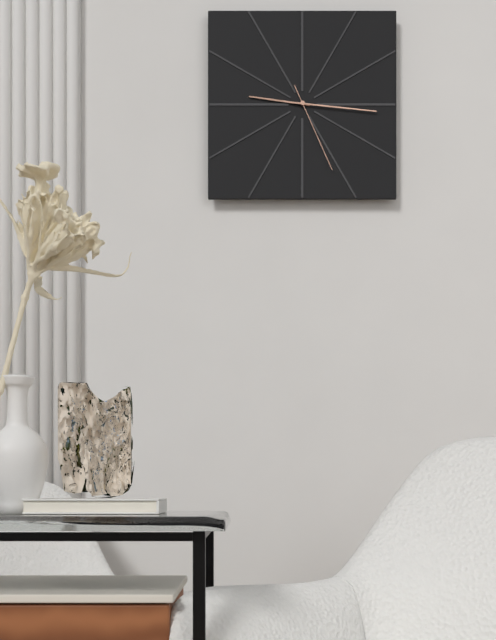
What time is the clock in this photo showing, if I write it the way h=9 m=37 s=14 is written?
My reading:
h=9 m=16 s=26
